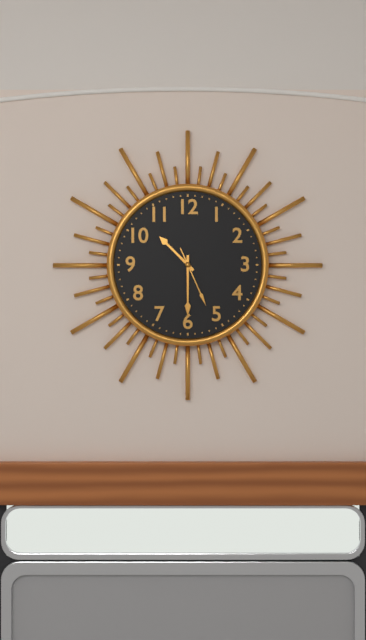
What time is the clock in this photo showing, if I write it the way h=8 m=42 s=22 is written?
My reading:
h=10 m=30 s=26
